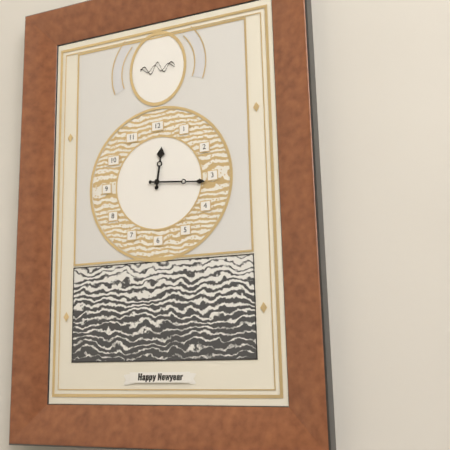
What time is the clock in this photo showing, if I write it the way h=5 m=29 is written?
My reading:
h=12 m=16
